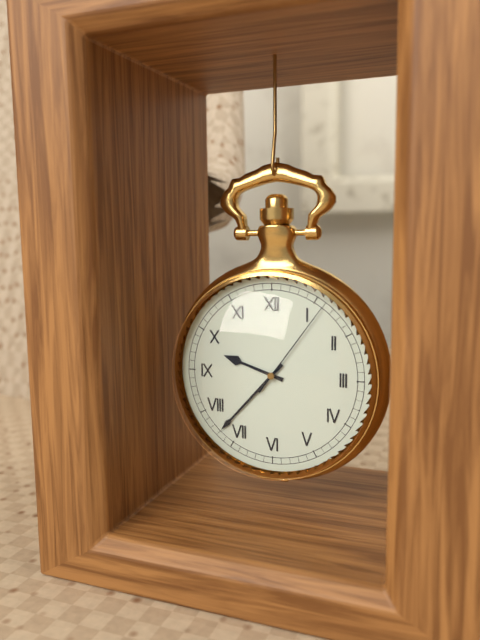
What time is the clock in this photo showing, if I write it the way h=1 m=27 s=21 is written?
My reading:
h=9 m=37 s=6
